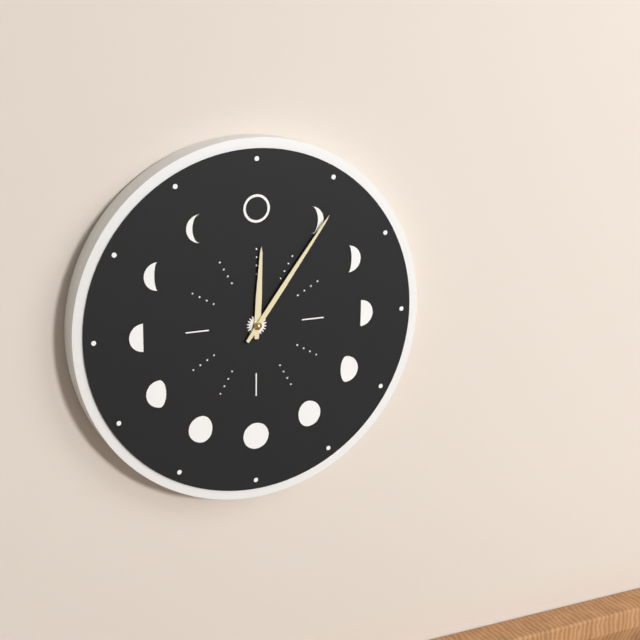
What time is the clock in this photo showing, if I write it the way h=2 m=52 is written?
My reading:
h=12 m=6
